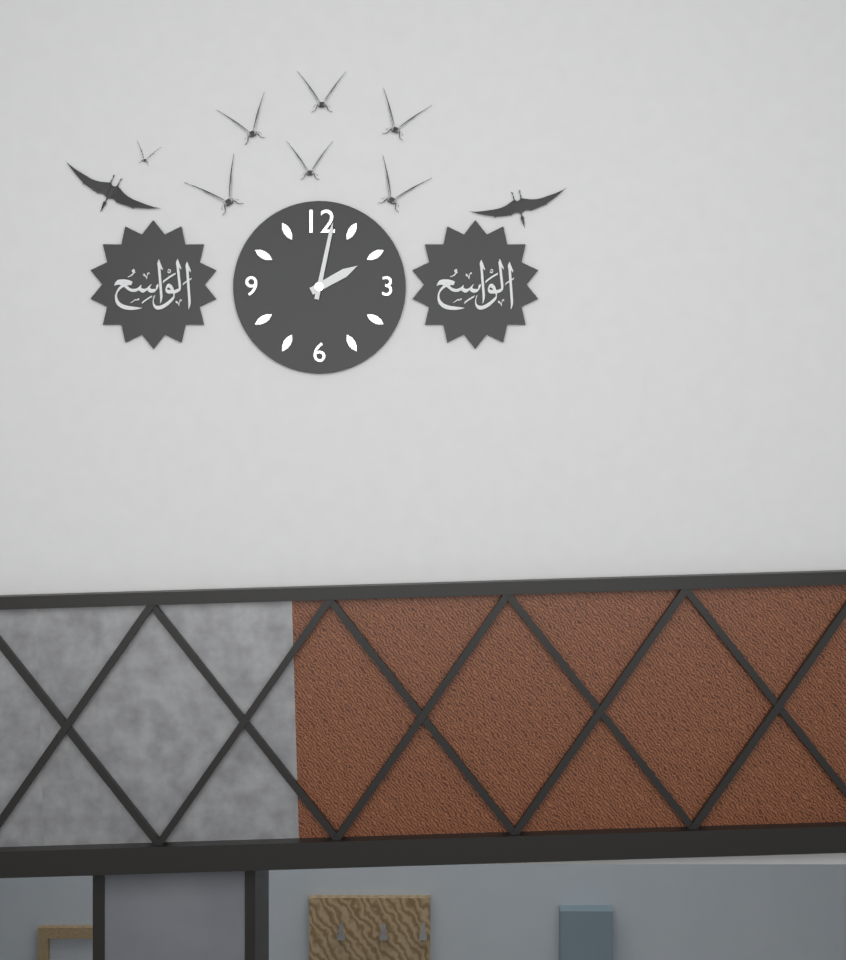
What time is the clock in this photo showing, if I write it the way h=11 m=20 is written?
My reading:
h=2 m=2
